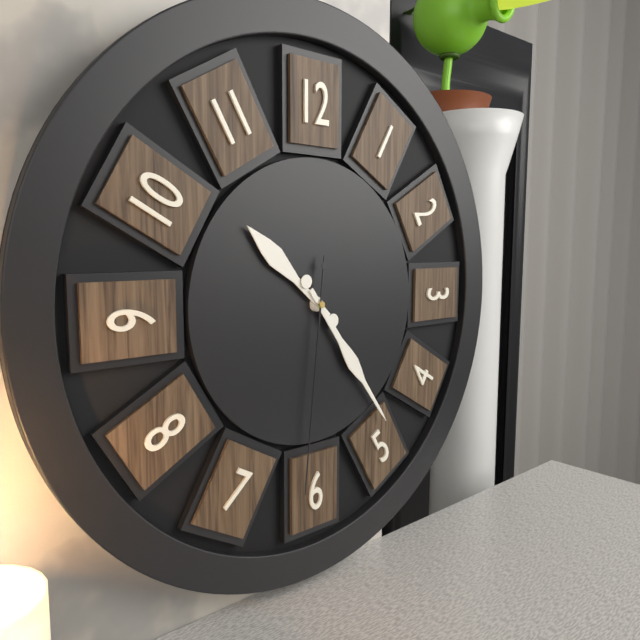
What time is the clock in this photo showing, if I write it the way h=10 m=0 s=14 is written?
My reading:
h=10 m=24 s=31
